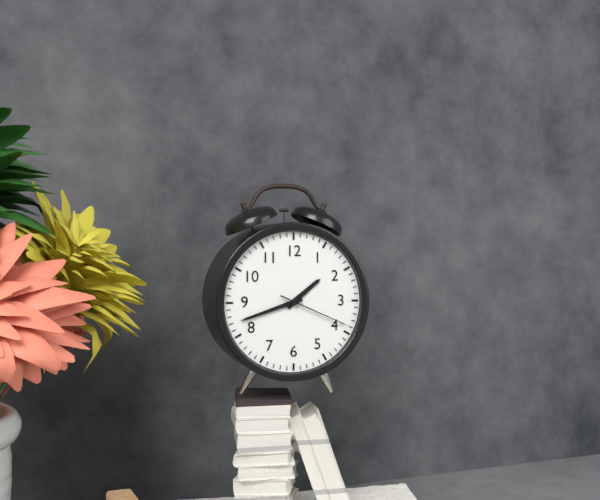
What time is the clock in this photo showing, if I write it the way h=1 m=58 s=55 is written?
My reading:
h=1 m=42 s=19
